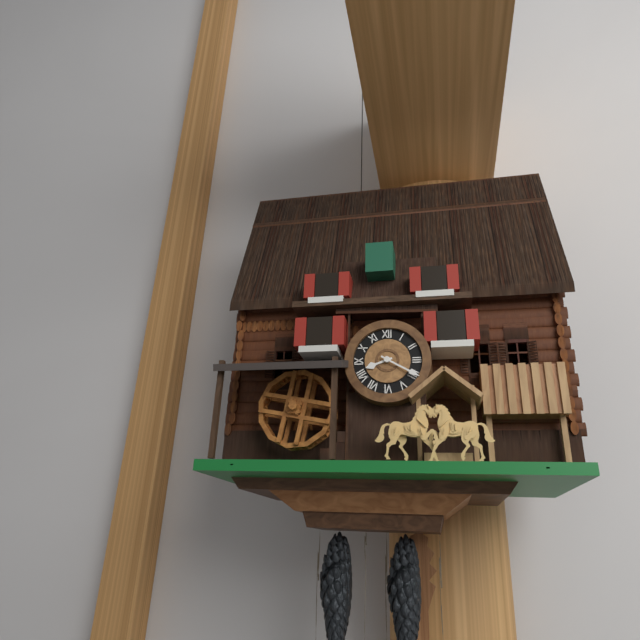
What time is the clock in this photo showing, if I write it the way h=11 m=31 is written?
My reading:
h=8 m=20
